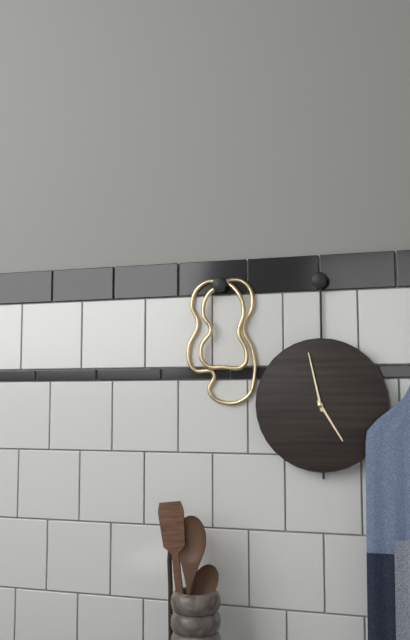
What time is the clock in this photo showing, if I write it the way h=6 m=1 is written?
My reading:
h=4 m=58
